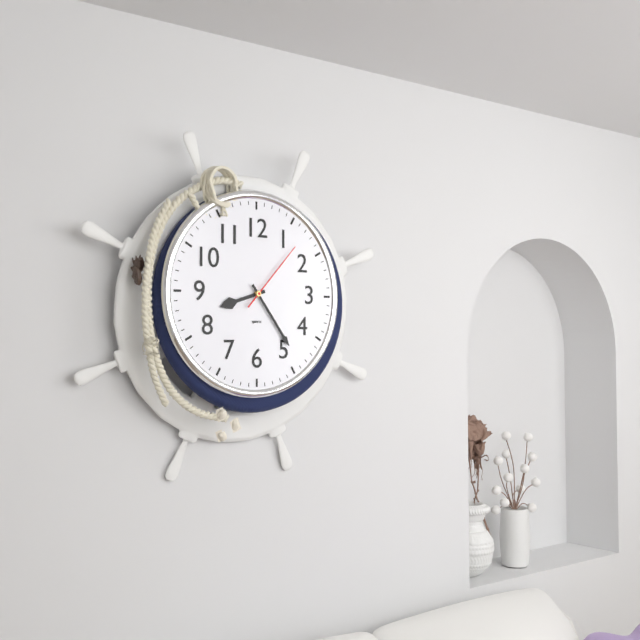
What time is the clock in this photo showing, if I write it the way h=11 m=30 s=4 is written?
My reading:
h=8 m=24 s=7
